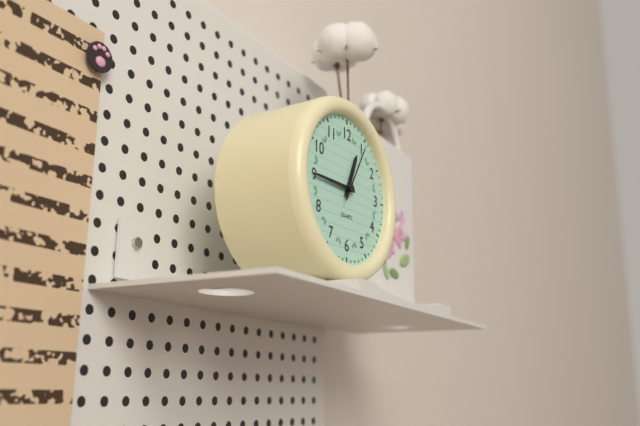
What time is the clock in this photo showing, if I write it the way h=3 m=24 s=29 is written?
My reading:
h=12 m=45 s=5
